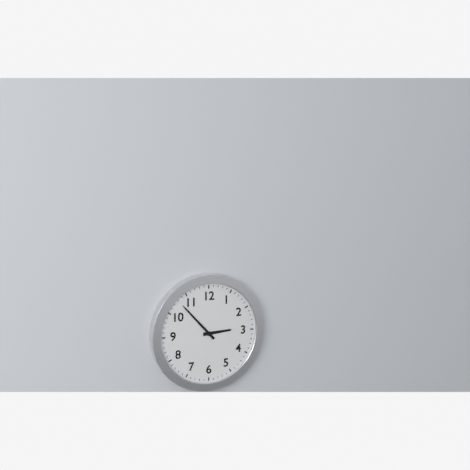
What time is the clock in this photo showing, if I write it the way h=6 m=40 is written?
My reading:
h=2 m=53
